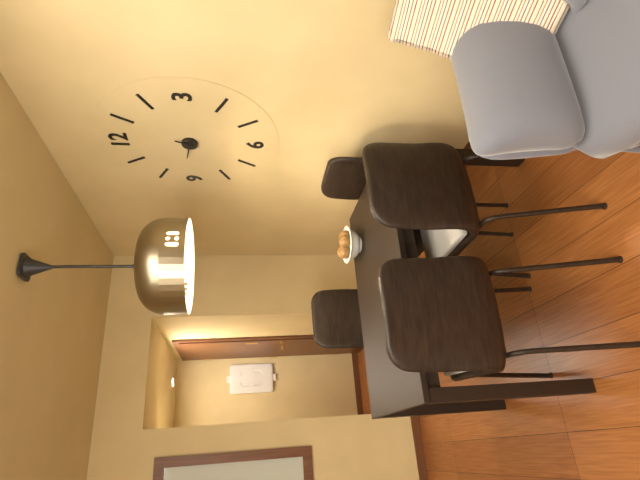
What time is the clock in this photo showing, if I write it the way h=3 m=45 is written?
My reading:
h=12 m=47
